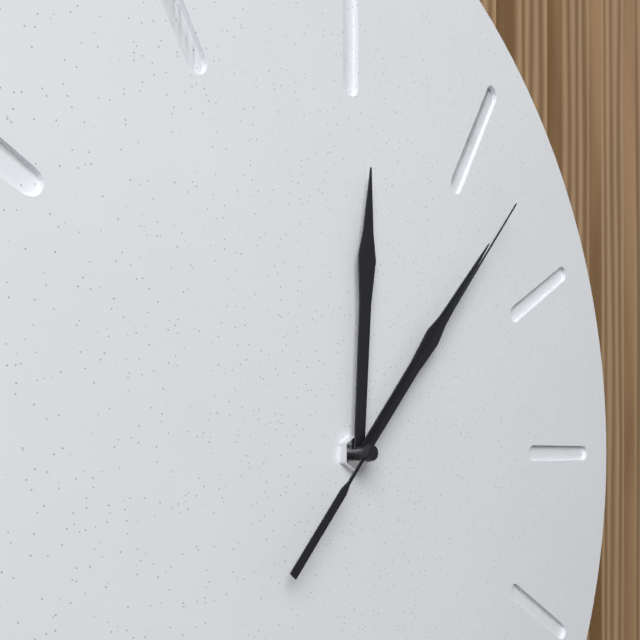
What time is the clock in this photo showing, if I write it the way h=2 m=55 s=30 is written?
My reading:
h=12 m=7 s=7
